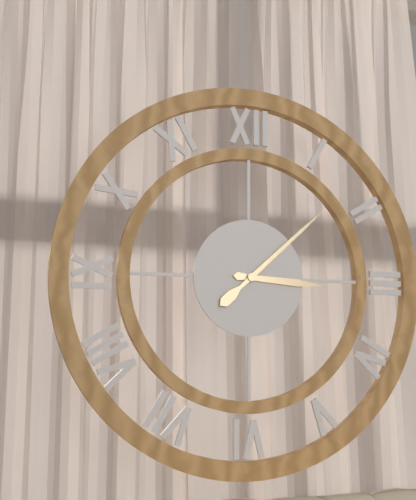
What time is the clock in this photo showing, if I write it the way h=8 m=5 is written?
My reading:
h=3 m=8
